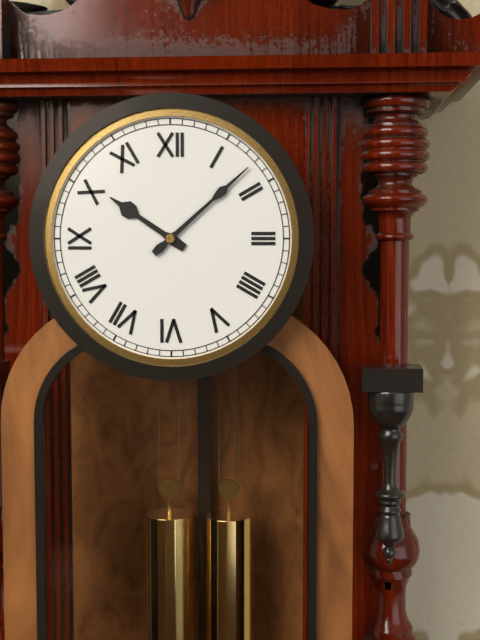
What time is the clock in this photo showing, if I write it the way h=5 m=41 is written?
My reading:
h=10 m=8
